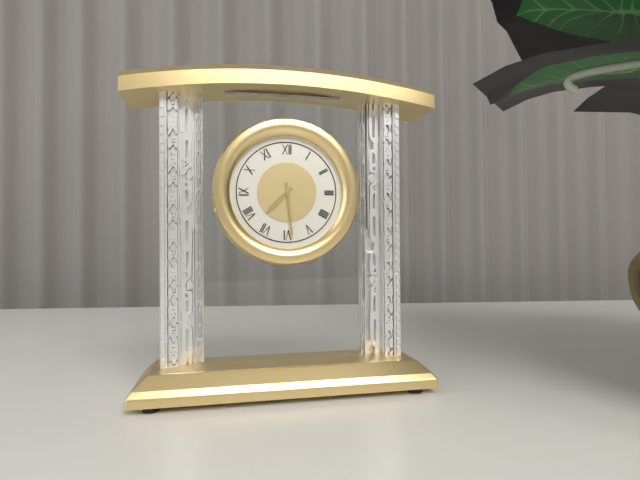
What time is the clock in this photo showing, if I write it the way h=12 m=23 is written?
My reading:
h=7 m=29
